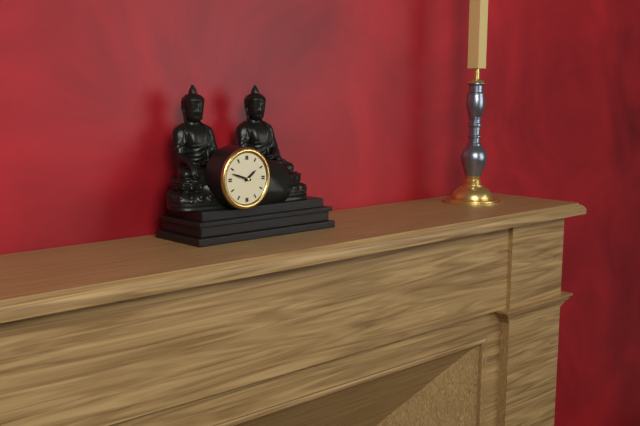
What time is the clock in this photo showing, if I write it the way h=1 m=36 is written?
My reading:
h=1 m=48
